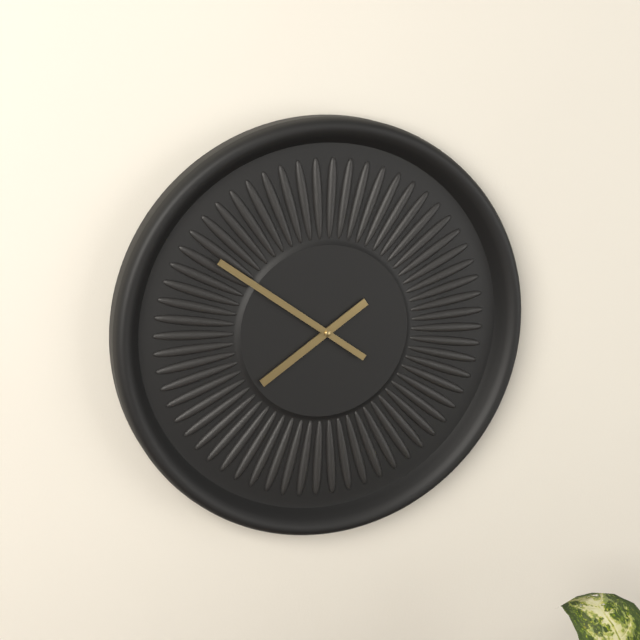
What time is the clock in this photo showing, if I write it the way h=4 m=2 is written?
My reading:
h=7 m=51
